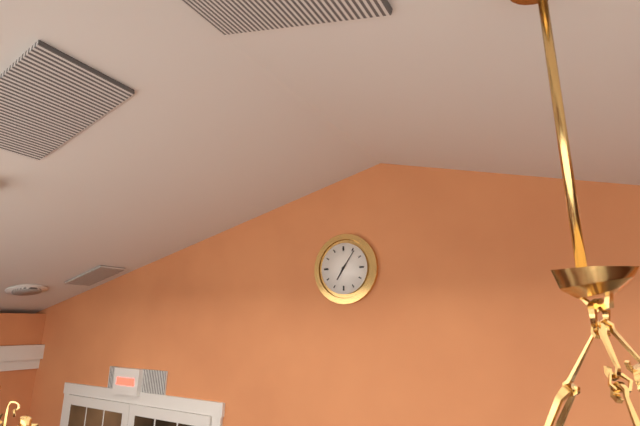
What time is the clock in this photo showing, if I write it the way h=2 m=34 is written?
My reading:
h=7 m=6
